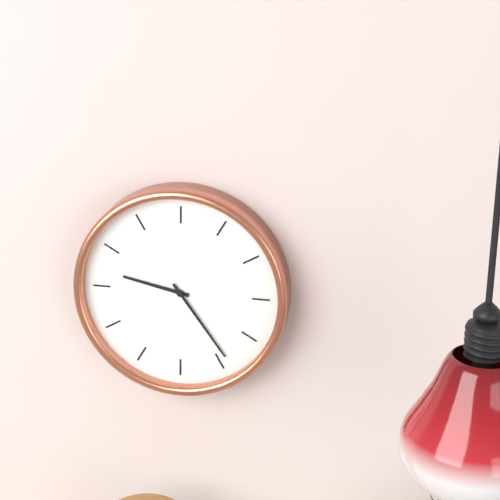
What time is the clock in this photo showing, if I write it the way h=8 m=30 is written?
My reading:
h=9 m=24
